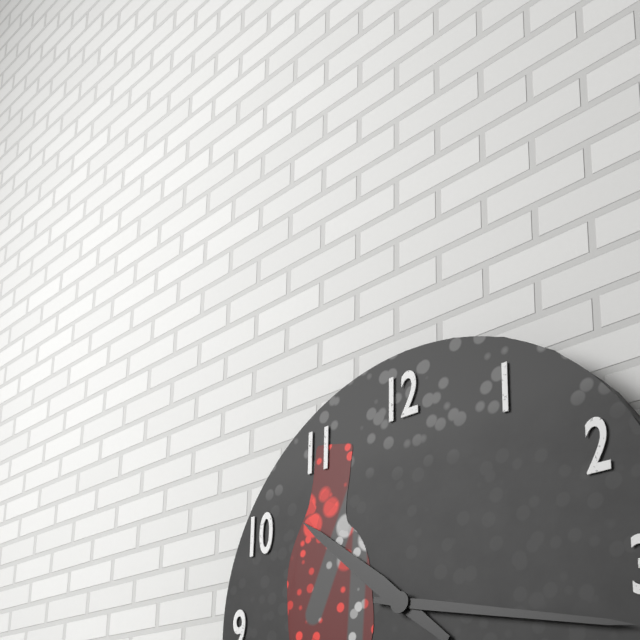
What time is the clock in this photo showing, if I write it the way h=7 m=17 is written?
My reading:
h=10 m=17
